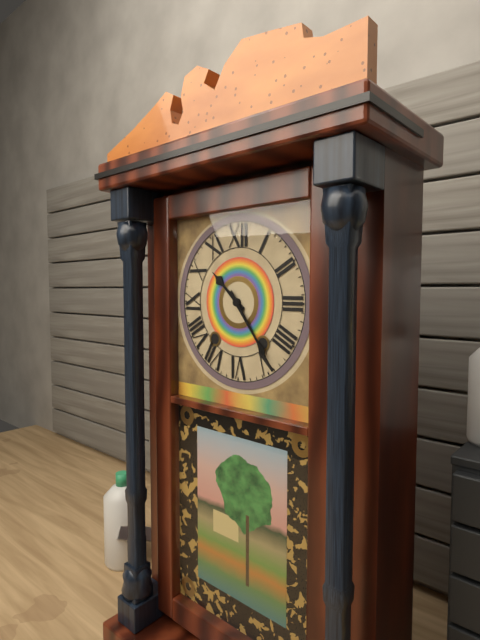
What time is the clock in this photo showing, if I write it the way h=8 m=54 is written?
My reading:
h=10 m=24
